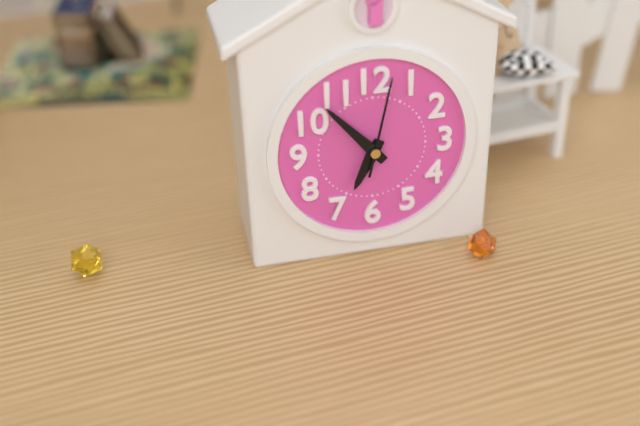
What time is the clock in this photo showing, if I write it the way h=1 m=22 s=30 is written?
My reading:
h=6 m=53 s=2
